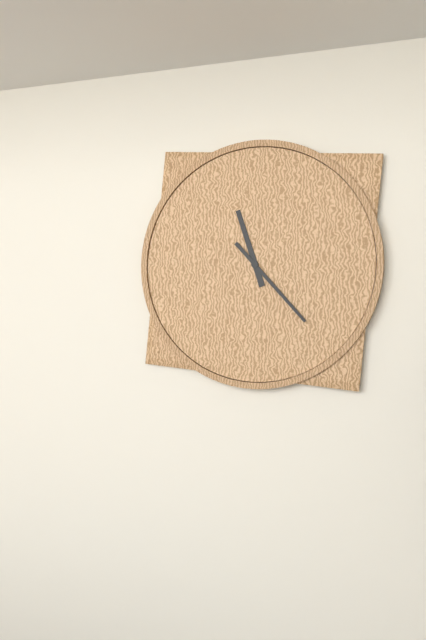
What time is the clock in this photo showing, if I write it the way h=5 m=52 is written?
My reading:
h=11 m=23
